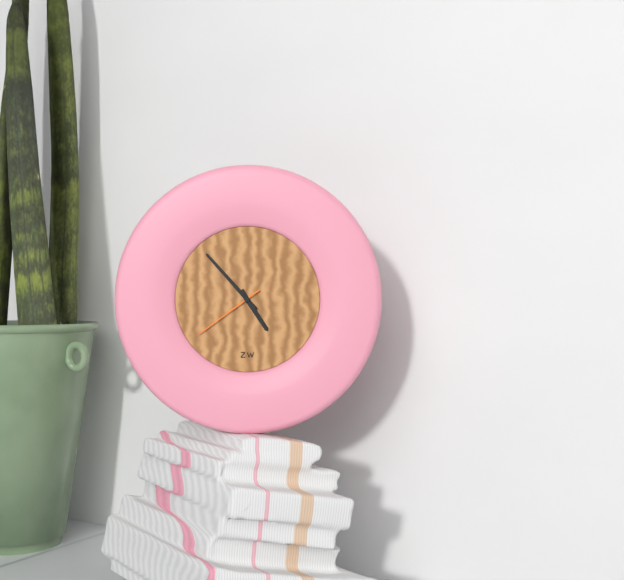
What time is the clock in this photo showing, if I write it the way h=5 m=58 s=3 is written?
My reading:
h=4 m=53 s=39
